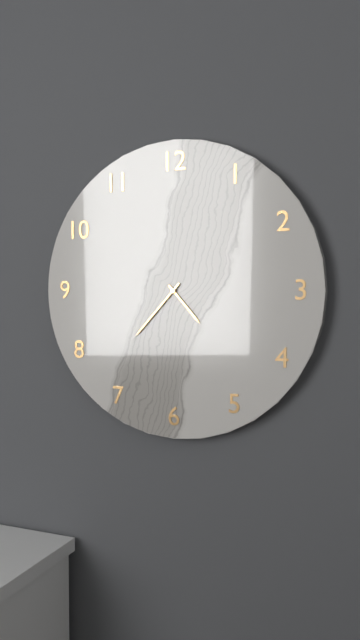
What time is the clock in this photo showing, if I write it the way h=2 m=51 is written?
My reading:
h=4 m=37
